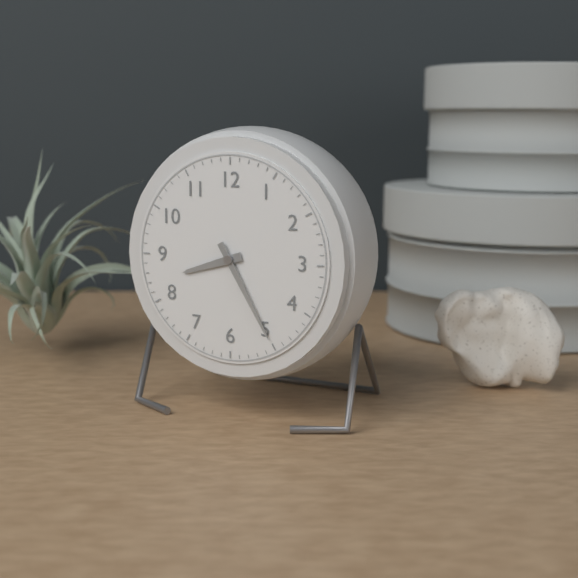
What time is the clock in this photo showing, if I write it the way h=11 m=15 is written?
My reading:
h=8 m=25
